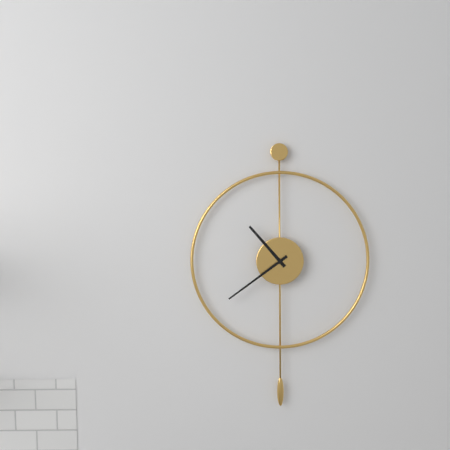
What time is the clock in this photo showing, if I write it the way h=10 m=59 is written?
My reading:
h=10 m=39
